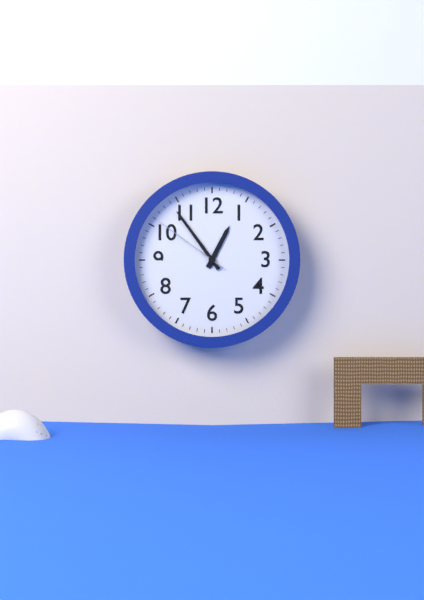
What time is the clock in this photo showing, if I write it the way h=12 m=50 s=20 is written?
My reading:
h=12 m=54 s=51
